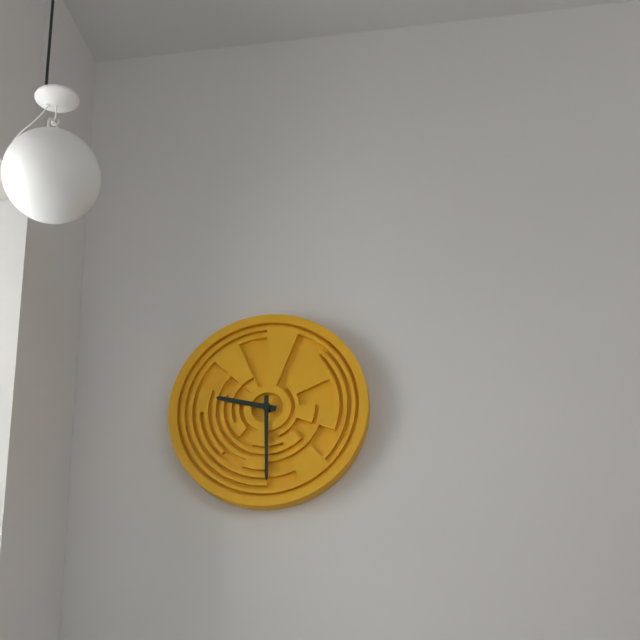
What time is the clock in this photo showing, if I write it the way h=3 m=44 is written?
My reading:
h=9 m=30
